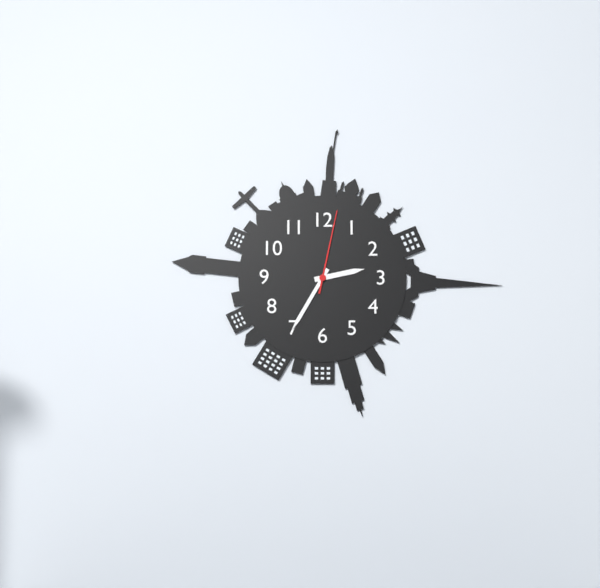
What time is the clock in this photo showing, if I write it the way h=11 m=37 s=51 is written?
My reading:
h=2 m=35 s=2
